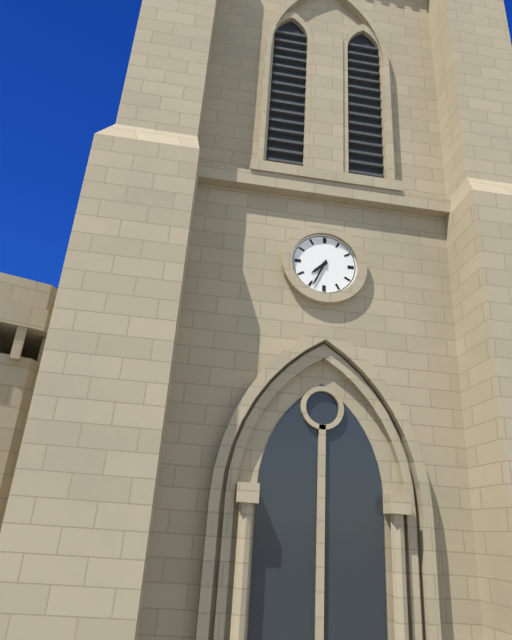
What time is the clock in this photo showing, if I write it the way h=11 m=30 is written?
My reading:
h=7 m=34
